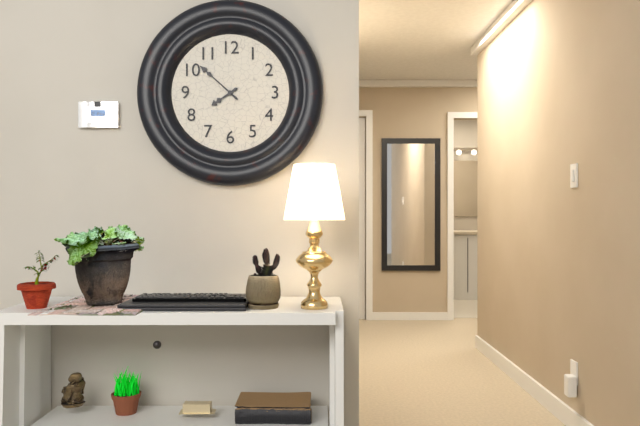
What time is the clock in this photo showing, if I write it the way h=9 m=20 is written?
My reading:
h=7 m=52
